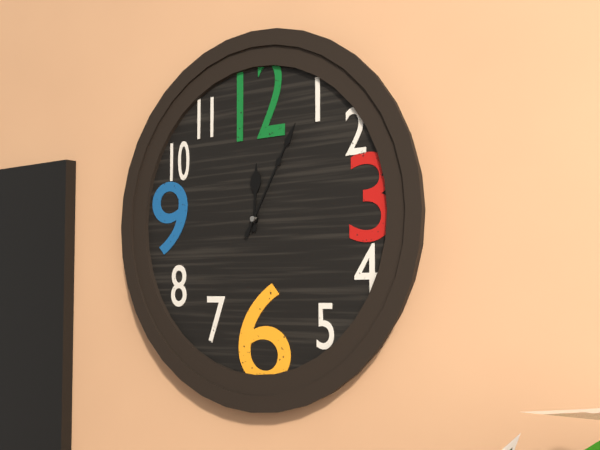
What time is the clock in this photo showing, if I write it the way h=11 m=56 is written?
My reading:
h=12 m=5
